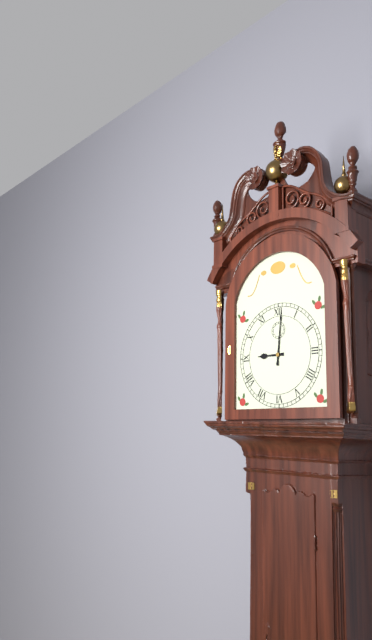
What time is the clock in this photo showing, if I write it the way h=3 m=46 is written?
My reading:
h=9 m=1
